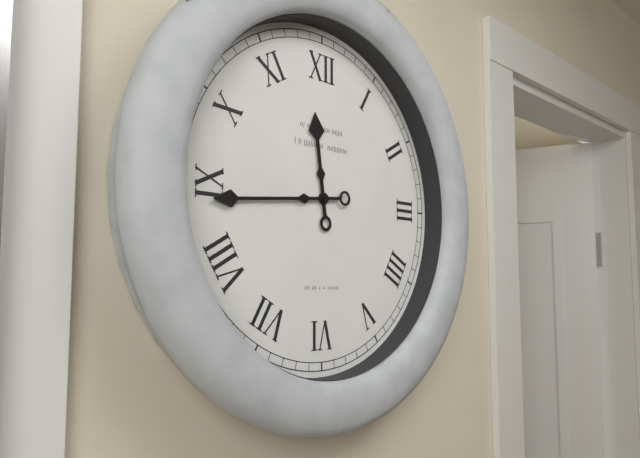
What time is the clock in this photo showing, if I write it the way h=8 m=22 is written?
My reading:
h=11 m=44
